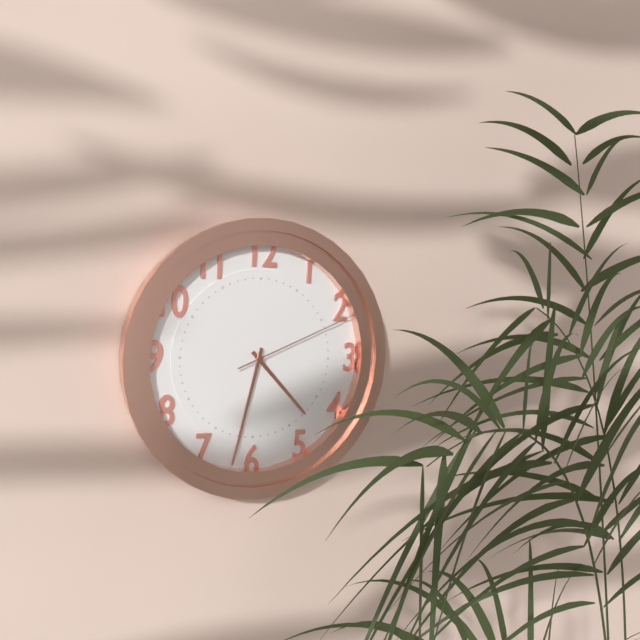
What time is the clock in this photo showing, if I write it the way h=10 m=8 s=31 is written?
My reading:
h=4 m=32 s=11
